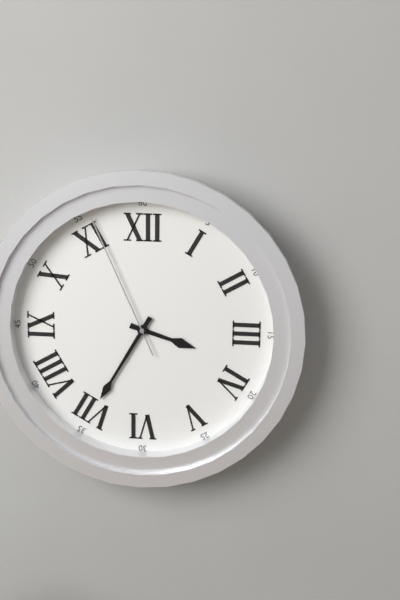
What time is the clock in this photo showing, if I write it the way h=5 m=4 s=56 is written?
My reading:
h=3 m=35 s=56
